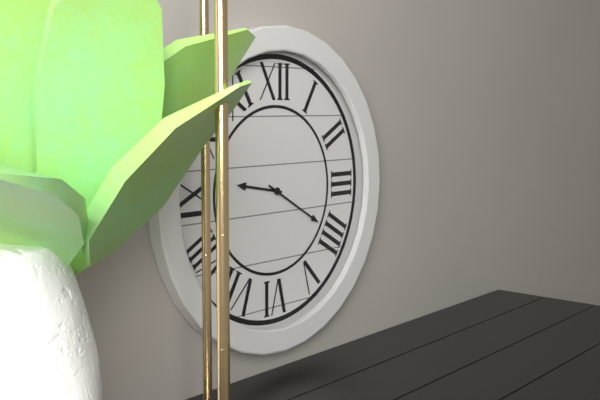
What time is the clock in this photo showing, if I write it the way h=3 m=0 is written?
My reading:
h=9 m=20
